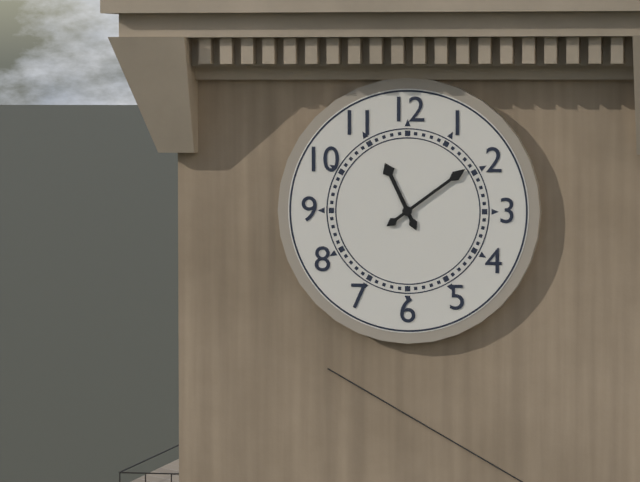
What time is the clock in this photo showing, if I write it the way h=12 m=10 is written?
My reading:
h=11 m=9
